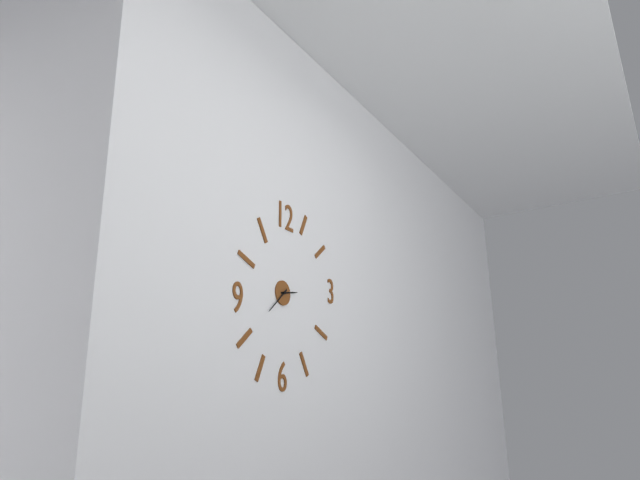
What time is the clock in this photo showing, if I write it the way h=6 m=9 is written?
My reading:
h=2 m=38
